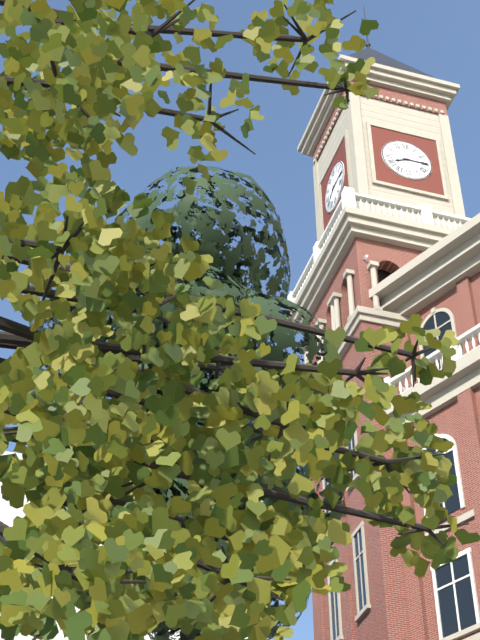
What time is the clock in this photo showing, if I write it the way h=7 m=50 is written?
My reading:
h=8 m=15
